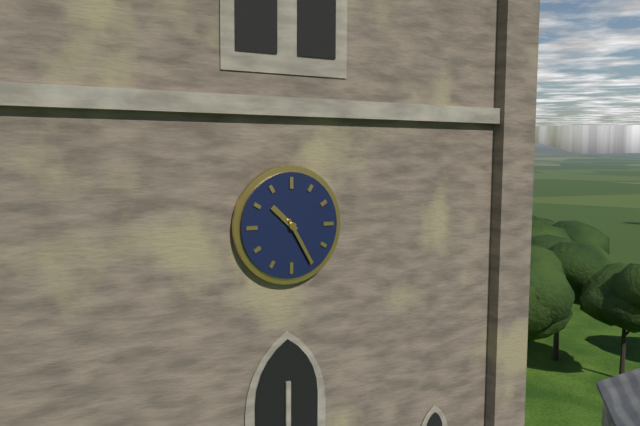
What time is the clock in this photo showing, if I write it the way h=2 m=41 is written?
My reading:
h=10 m=25
